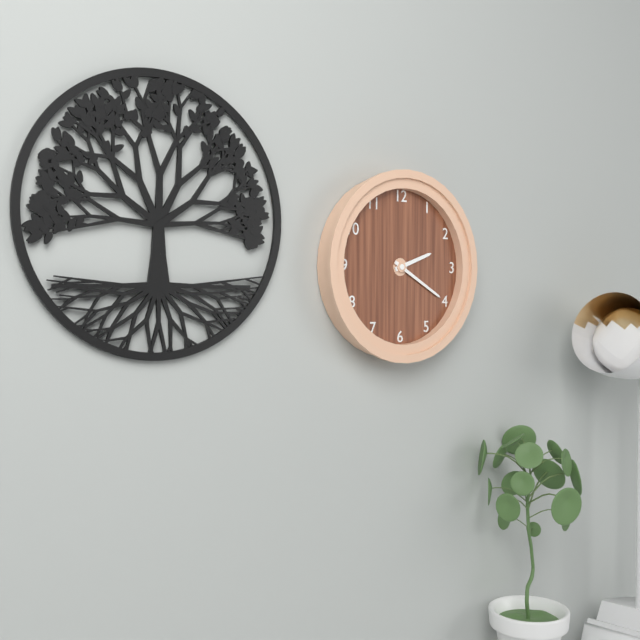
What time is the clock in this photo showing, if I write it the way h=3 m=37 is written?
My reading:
h=2 m=20
